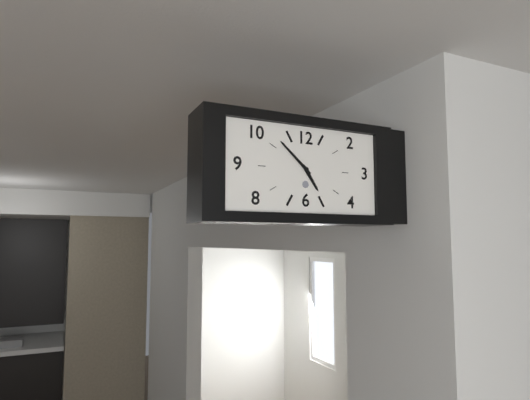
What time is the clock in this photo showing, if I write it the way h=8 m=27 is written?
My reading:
h=4 m=52
